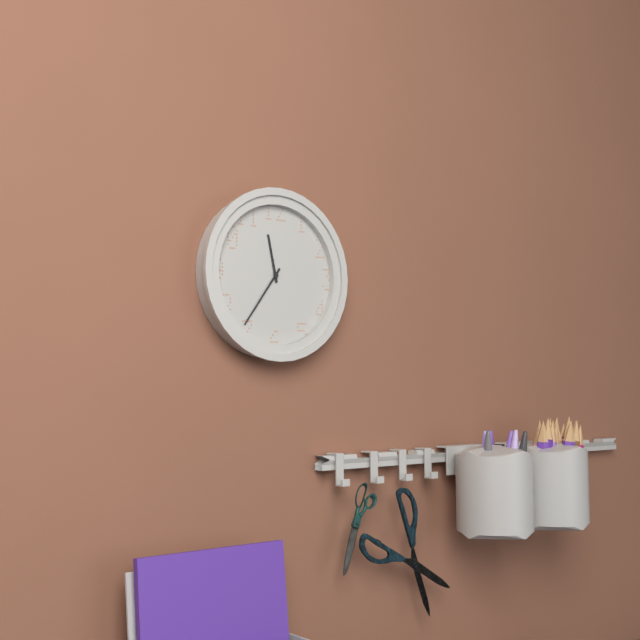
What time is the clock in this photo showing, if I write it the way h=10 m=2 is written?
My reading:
h=11 m=36
